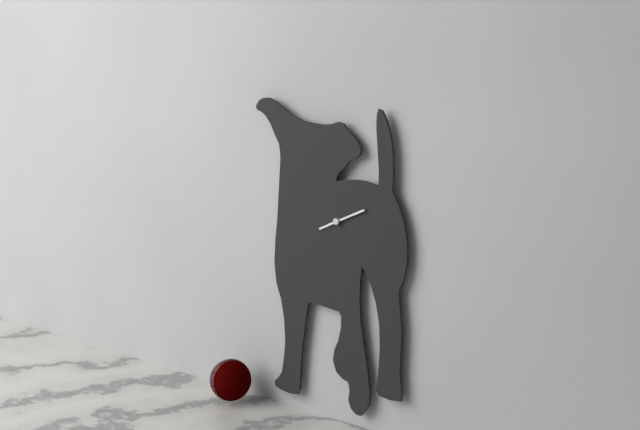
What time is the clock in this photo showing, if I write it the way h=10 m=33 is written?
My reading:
h=8 m=11
